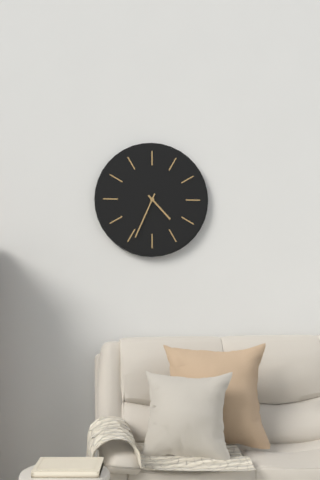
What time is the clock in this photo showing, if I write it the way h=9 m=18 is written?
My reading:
h=4 m=34
